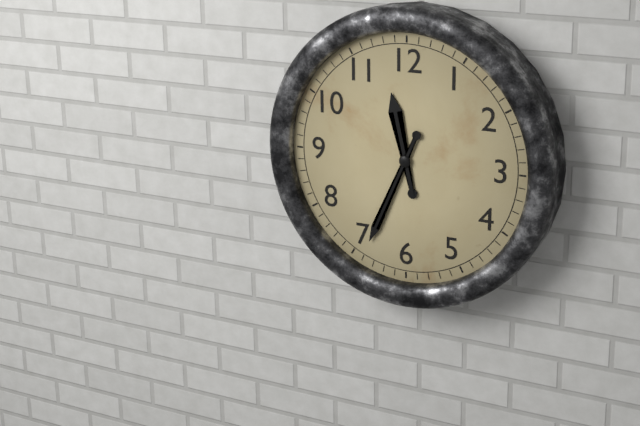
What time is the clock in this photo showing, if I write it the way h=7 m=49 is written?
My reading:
h=11 m=34
